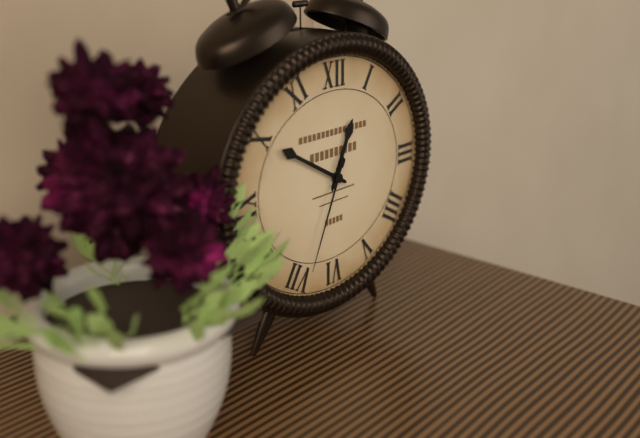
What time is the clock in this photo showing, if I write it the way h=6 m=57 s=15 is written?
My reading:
h=12 m=50 s=34
